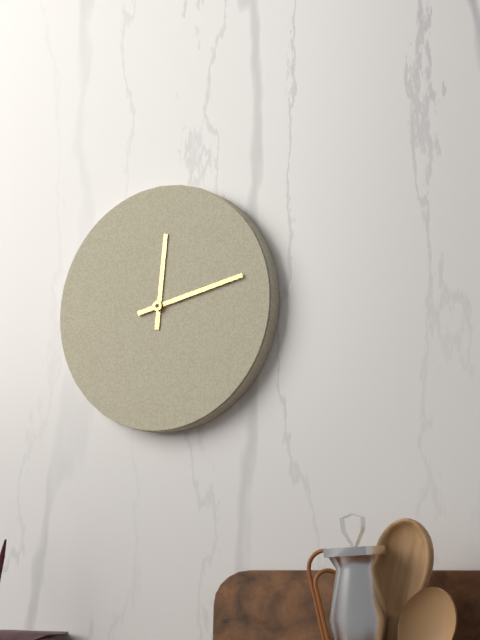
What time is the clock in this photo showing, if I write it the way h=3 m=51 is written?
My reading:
h=12 m=13
